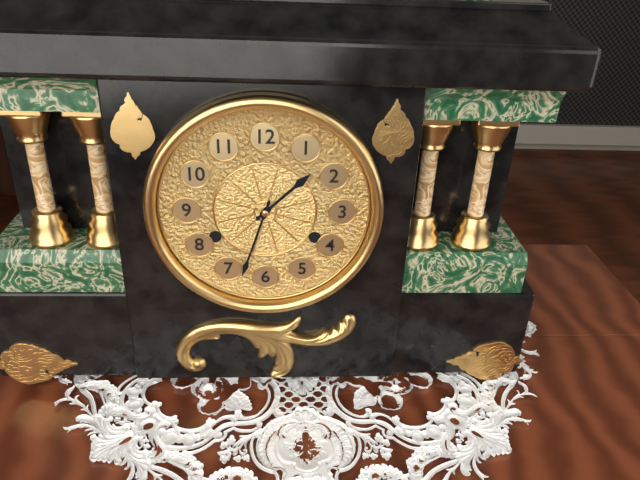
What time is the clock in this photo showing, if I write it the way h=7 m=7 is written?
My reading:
h=1 m=33
